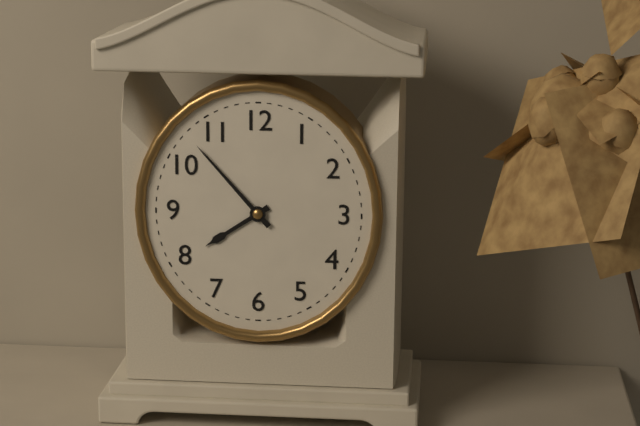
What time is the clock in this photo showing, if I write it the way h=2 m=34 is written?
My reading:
h=7 m=53
